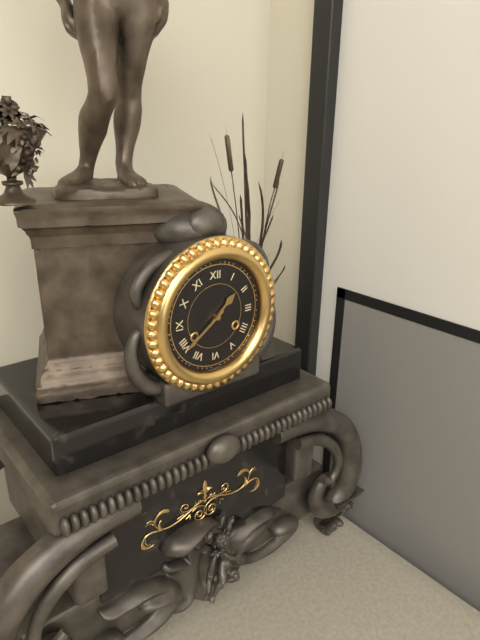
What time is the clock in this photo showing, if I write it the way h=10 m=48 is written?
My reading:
h=1 m=39
